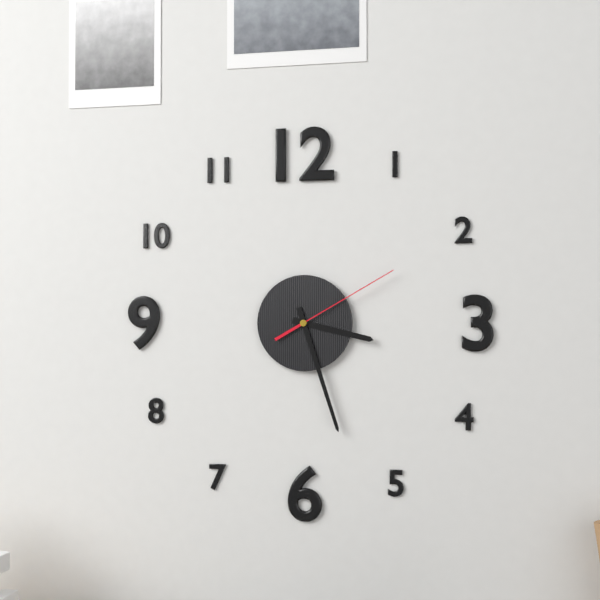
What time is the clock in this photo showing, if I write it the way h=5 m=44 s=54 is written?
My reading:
h=3 m=27 s=10
